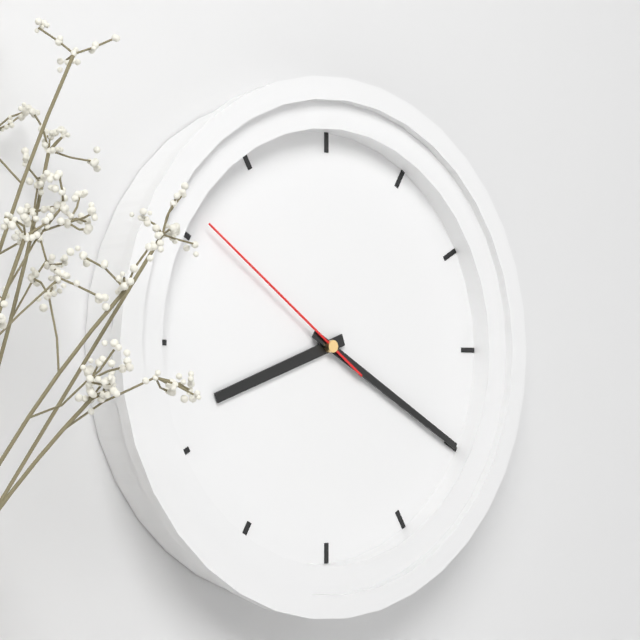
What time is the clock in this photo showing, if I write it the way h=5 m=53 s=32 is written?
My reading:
h=8 m=20 s=51
